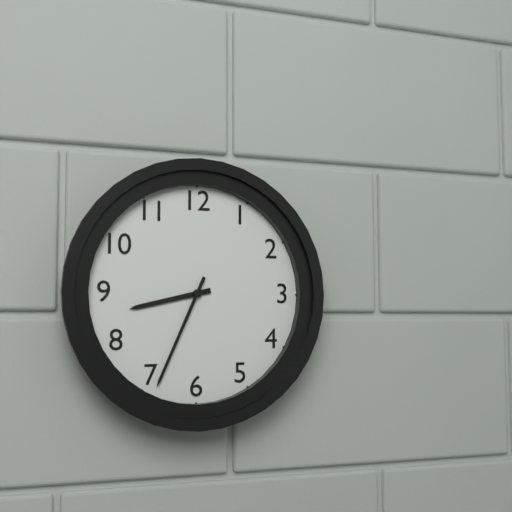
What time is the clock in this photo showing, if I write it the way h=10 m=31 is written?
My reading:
h=8 m=34
